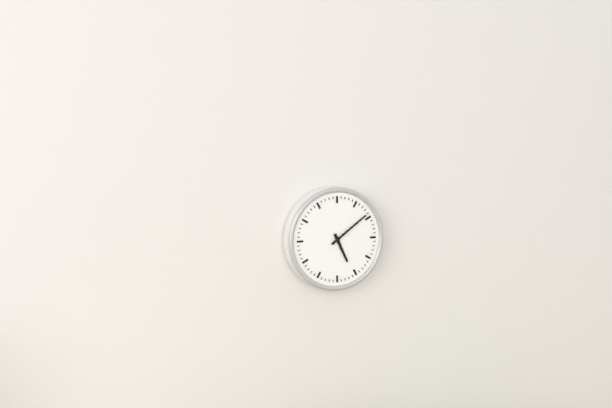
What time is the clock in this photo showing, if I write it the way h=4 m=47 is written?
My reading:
h=5 m=9
